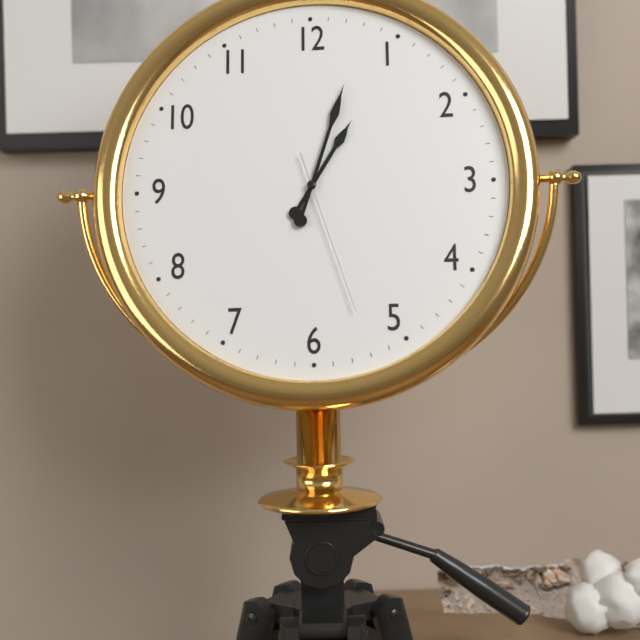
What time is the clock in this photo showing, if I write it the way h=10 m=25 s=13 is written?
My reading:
h=1 m=3 s=27
